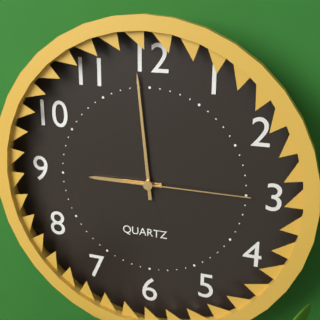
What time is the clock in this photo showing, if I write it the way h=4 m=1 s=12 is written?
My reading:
h=8 m=59 s=15
